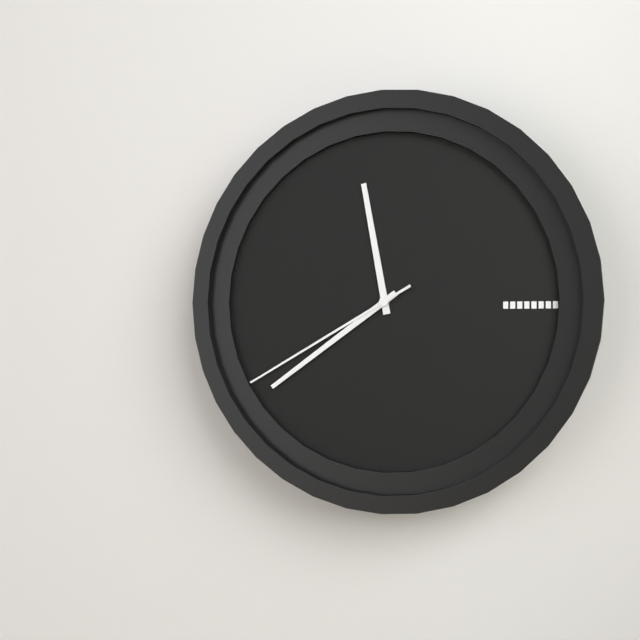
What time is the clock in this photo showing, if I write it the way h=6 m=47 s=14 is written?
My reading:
h=11 m=39 s=40
